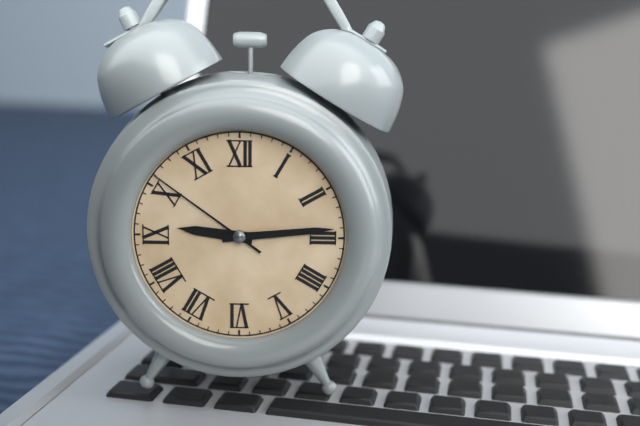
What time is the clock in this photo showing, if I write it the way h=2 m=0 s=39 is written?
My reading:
h=9 m=14 s=51
